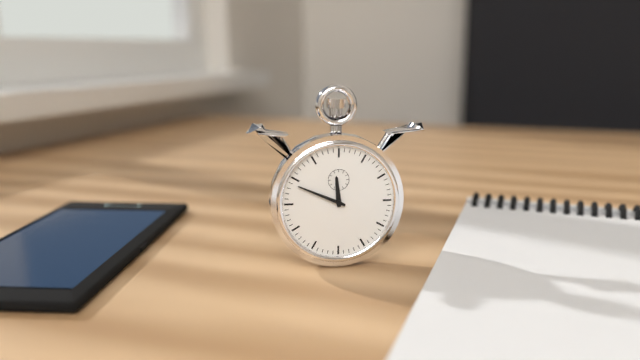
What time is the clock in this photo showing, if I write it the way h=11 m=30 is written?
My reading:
h=11 m=49
